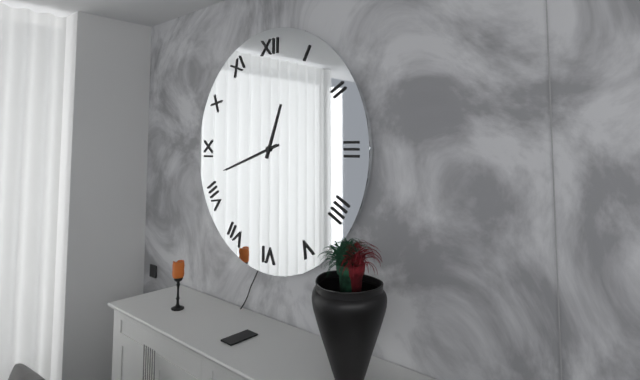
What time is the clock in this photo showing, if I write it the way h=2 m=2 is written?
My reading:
h=12 m=42
